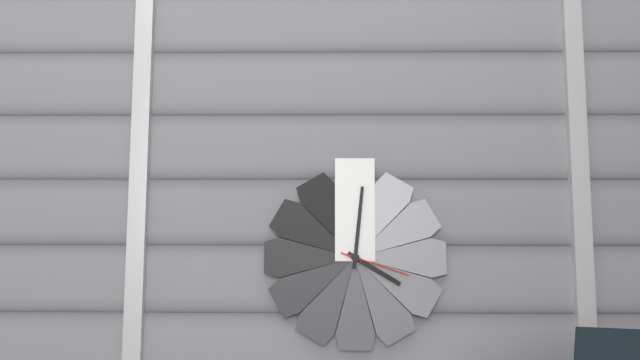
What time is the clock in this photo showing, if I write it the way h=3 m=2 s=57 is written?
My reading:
h=4 m=1 s=18
